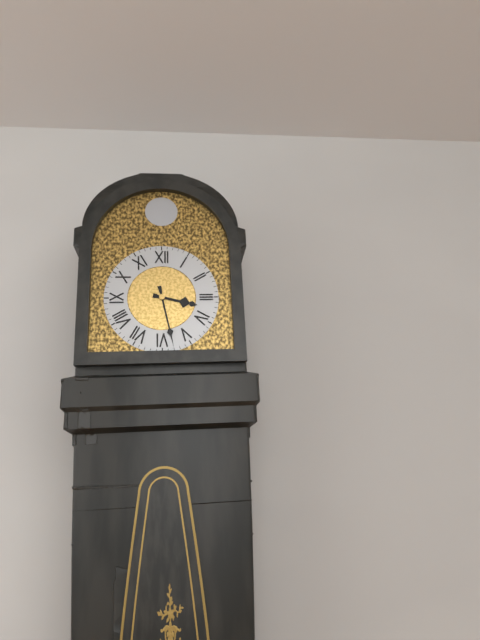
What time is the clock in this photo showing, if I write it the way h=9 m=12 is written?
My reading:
h=3 m=28
